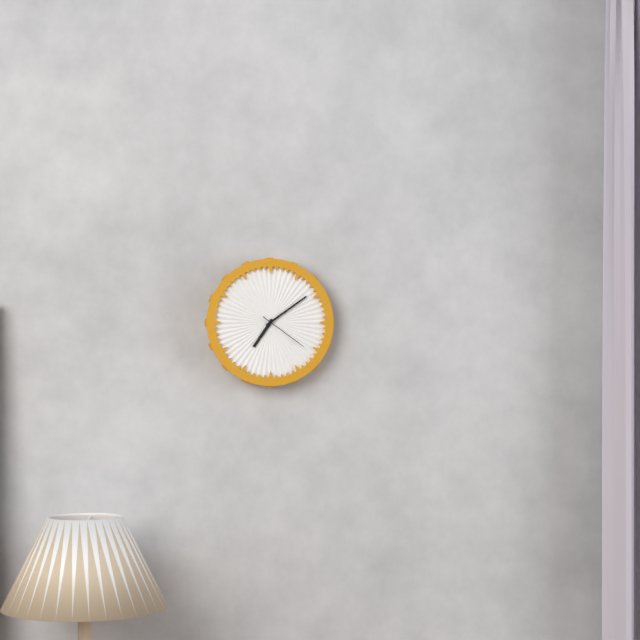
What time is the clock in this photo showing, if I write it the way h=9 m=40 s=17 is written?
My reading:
h=7 m=9 s=21
